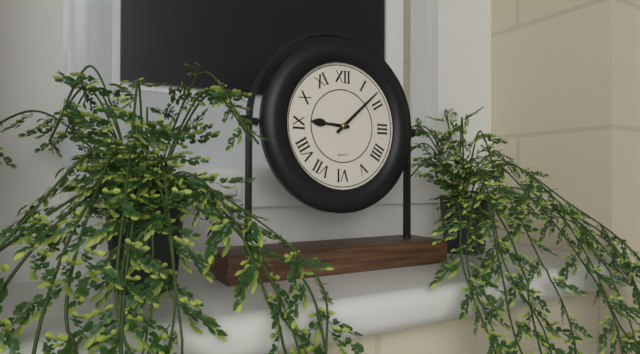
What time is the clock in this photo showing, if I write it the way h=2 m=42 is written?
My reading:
h=9 m=8
